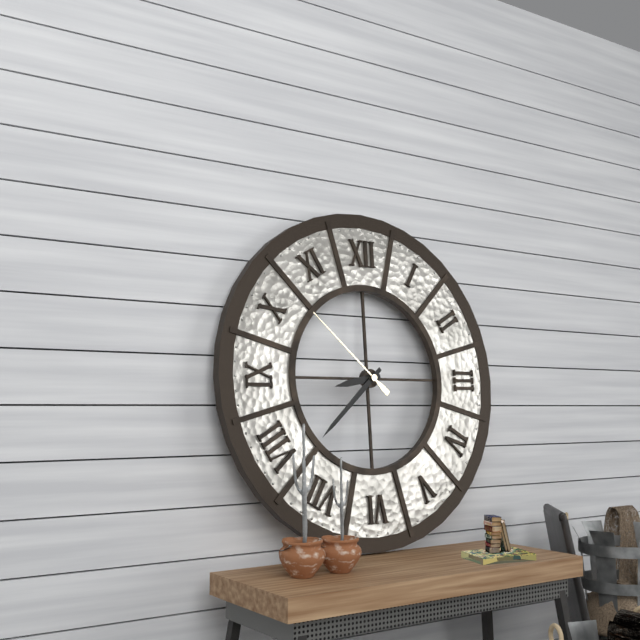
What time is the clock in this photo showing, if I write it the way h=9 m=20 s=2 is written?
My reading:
h=8 m=38 s=52
